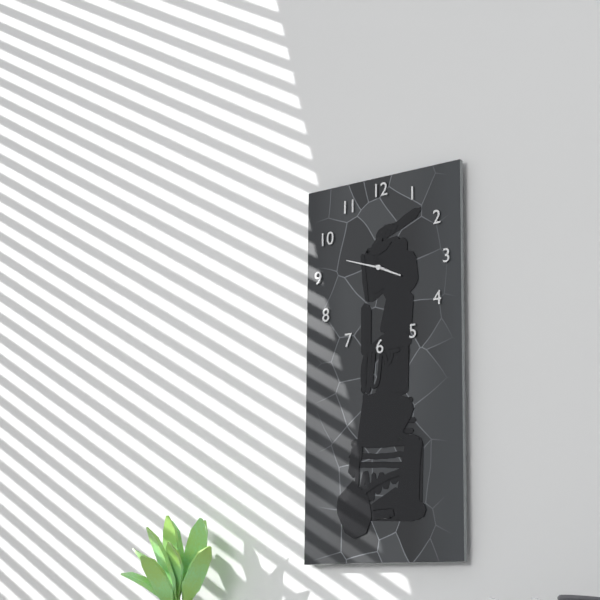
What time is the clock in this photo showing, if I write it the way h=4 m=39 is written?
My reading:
h=3 m=48
